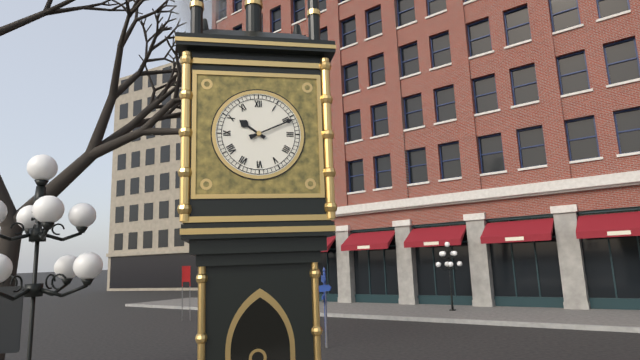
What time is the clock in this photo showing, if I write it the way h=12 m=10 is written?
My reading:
h=10 m=11
